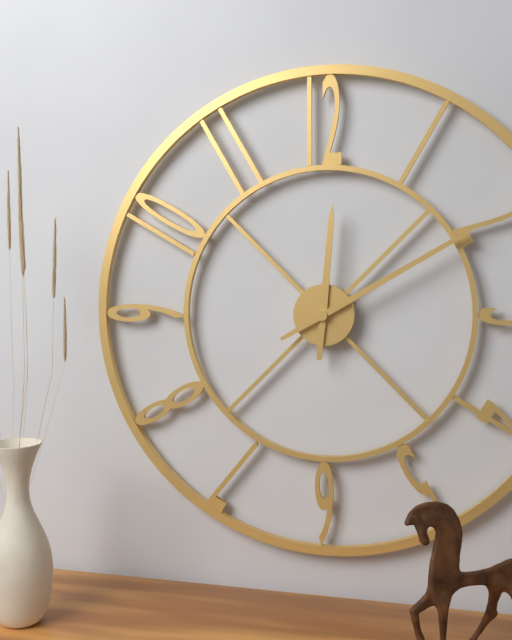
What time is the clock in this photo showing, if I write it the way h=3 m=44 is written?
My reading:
h=12 m=10
